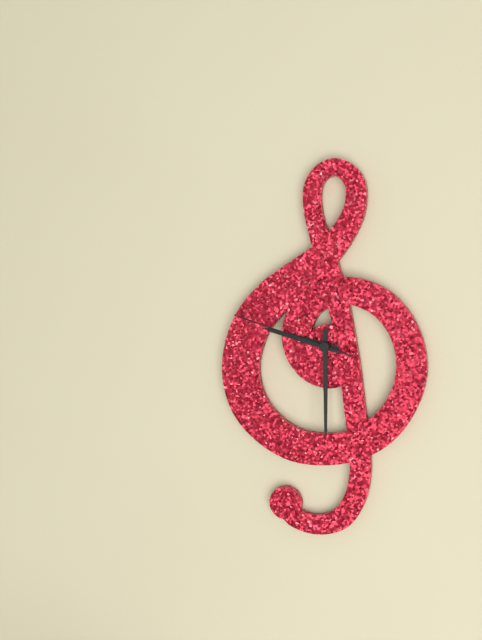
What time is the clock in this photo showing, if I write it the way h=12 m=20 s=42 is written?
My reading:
h=9 m=30 s=48
